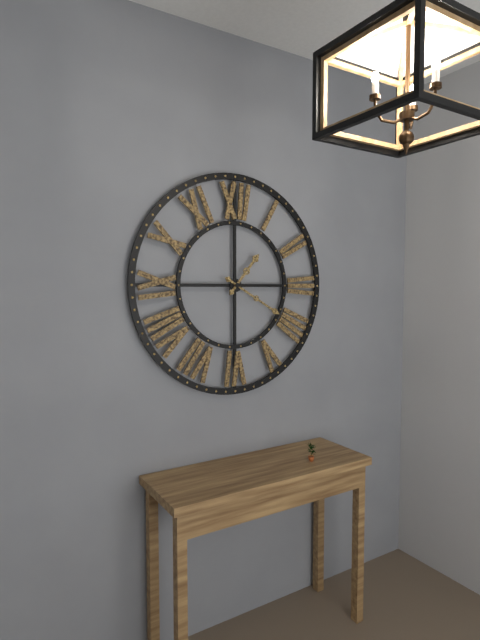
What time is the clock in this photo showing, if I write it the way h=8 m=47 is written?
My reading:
h=1 m=20
